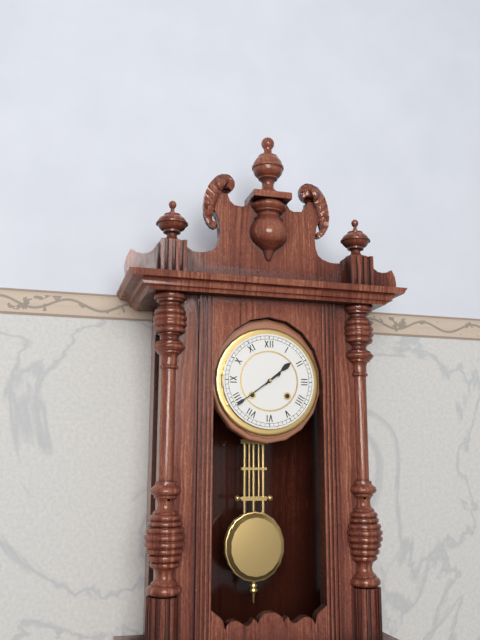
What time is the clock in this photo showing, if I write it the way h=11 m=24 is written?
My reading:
h=1 m=39
